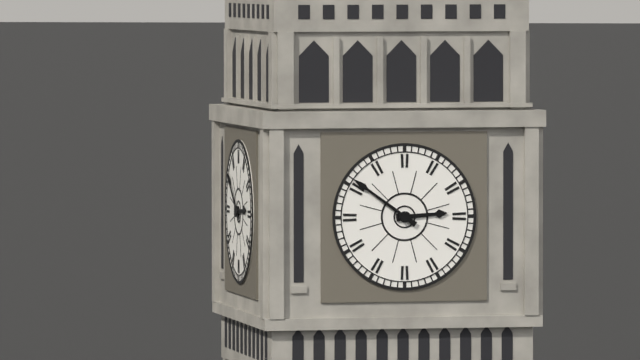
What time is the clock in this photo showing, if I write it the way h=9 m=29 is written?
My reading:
h=2 m=51
